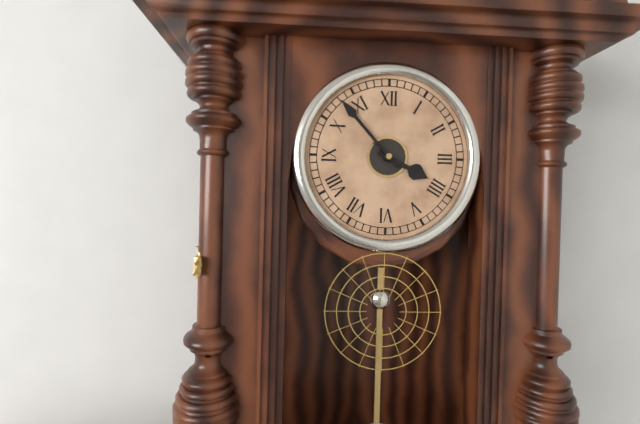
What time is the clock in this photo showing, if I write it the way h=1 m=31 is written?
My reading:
h=3 m=53
